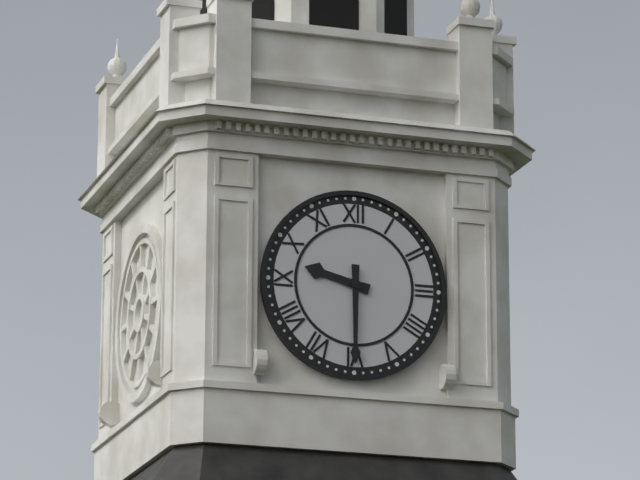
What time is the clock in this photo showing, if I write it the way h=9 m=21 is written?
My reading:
h=9 m=30
